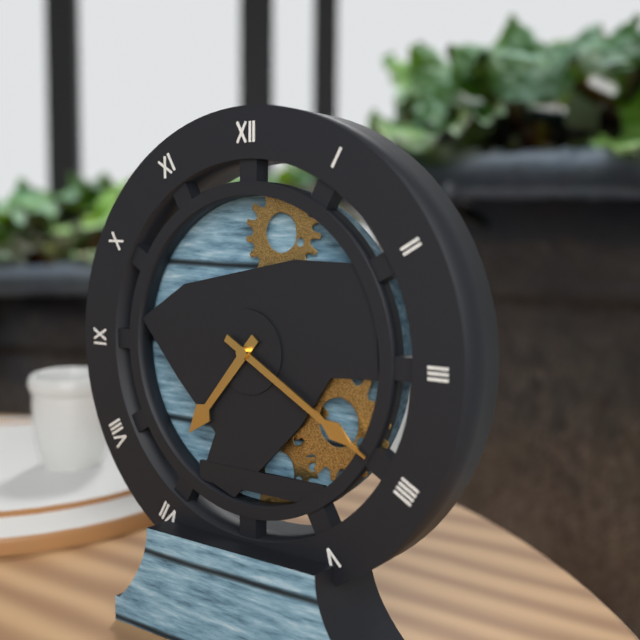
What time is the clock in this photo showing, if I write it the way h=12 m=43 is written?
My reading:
h=7 m=20
